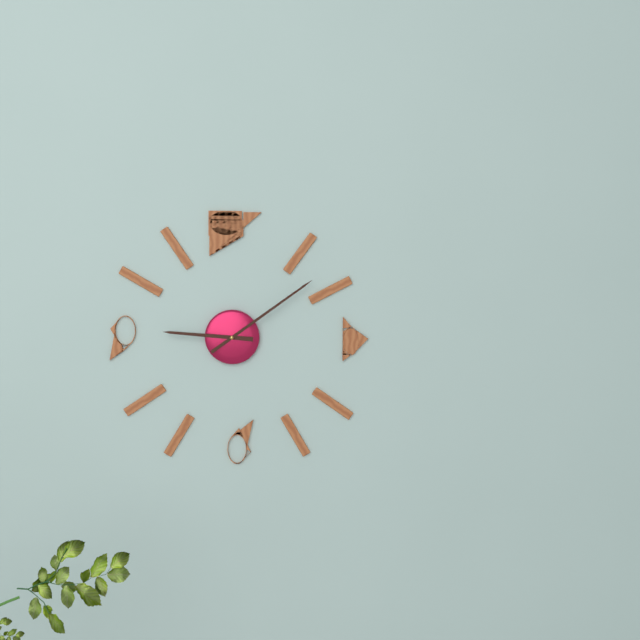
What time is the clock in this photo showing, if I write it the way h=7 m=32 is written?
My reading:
h=9 m=9
